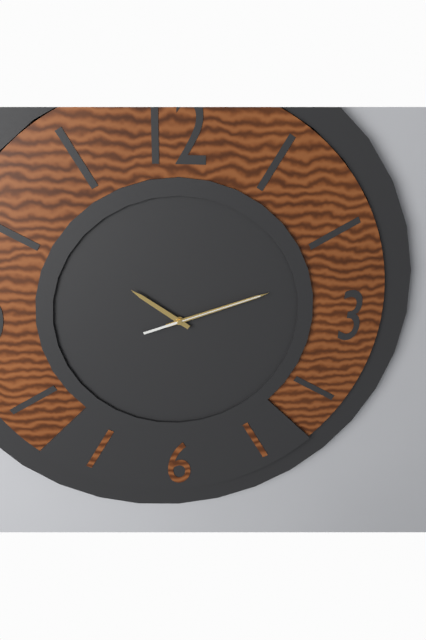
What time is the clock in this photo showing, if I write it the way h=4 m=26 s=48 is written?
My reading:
h=10 m=12 s=12
